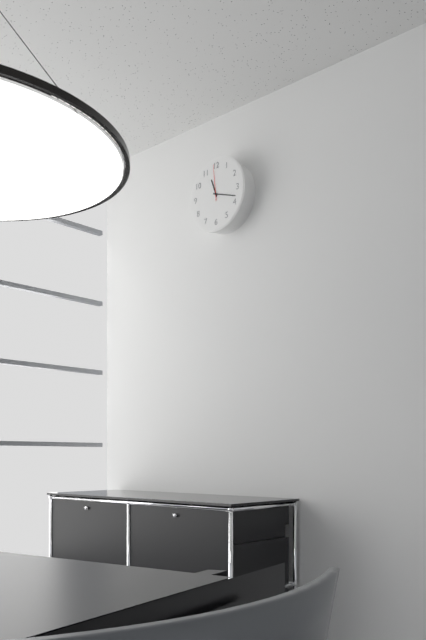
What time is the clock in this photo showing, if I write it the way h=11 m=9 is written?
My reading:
h=11 m=18
